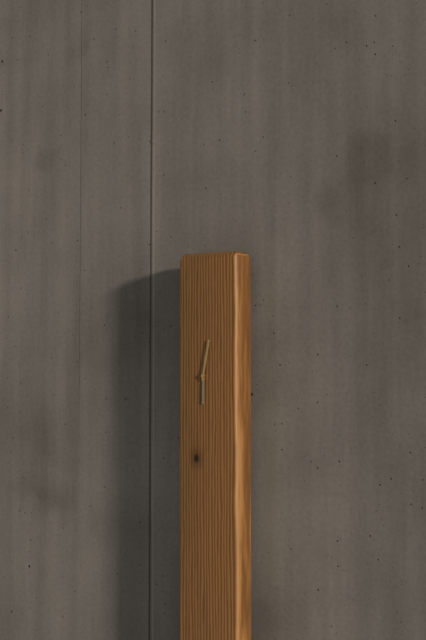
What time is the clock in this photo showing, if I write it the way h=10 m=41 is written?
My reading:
h=6 m=2
